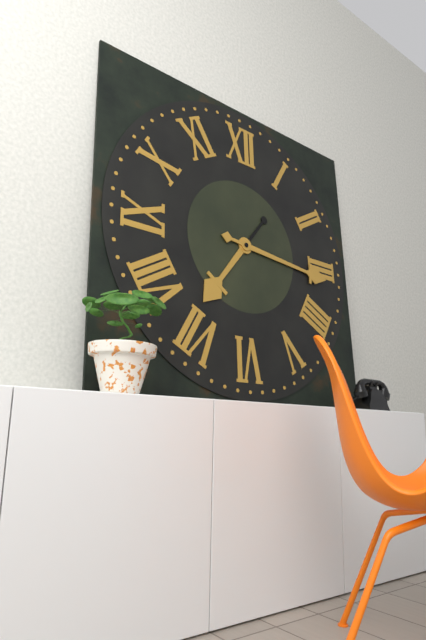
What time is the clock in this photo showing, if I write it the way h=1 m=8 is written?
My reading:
h=7 m=16
